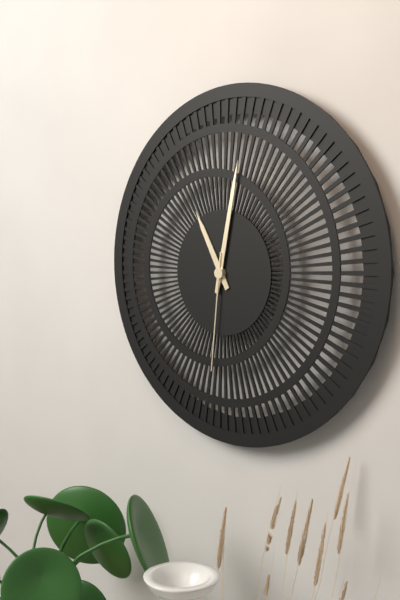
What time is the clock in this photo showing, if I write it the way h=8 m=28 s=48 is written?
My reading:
h=11 m=2 s=31
